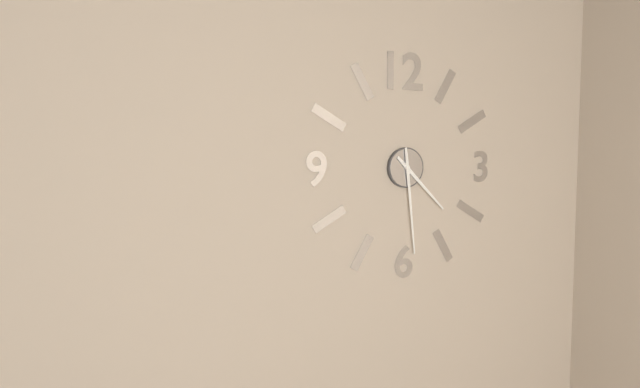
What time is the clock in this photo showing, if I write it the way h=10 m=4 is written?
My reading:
h=4 m=29
